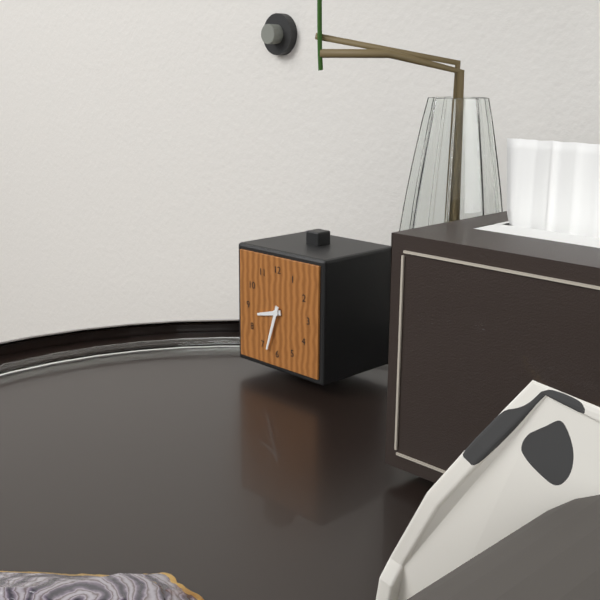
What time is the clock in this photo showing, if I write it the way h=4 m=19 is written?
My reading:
h=8 m=33
